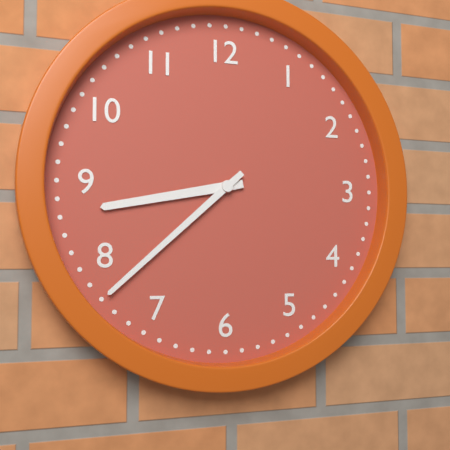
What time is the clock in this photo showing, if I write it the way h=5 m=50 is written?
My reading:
h=8 m=38
